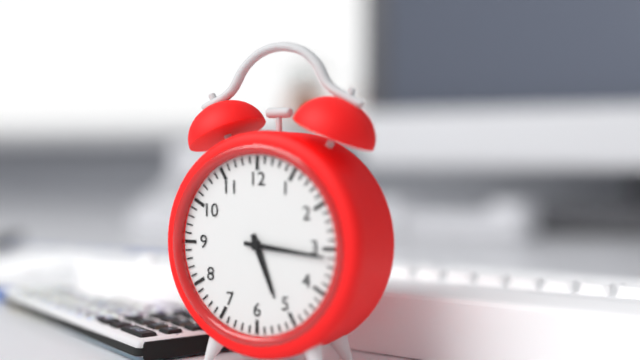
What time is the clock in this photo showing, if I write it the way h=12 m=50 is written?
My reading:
h=5 m=16
